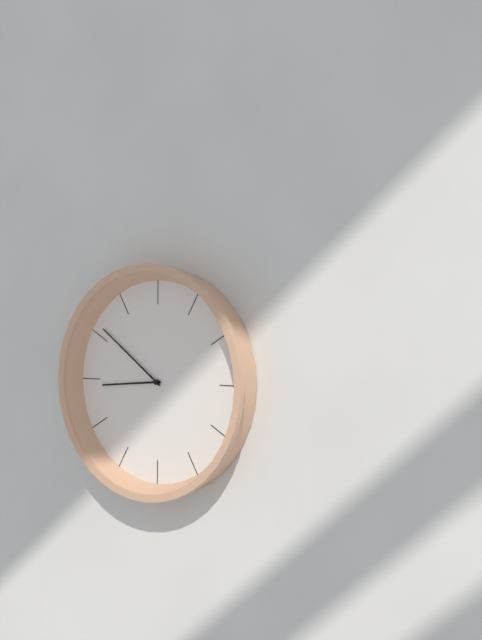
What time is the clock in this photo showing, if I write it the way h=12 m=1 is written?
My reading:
h=8 m=51
